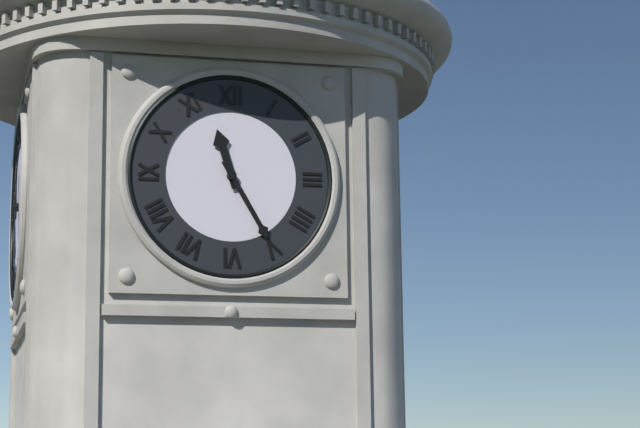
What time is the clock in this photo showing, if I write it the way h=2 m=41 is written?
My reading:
h=11 m=25
